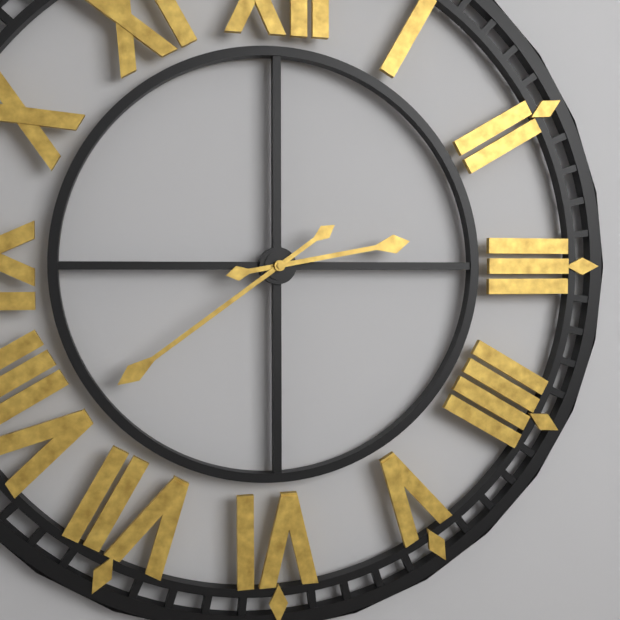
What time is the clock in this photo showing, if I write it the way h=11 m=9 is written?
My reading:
h=2 m=39
